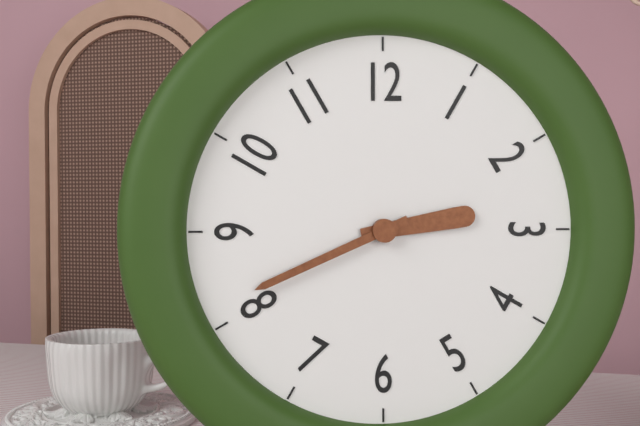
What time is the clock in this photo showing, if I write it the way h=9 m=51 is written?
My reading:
h=2 m=41
